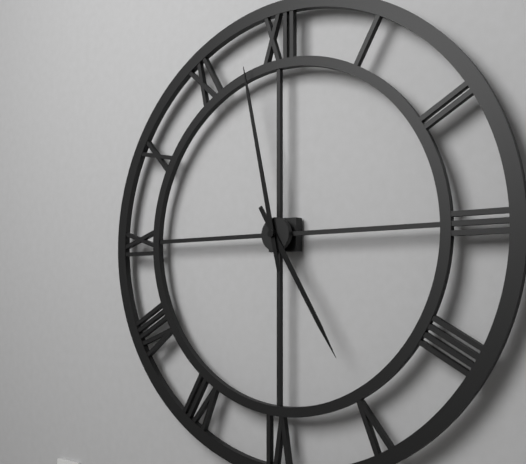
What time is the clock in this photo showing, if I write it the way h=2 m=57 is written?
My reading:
h=4 m=58
